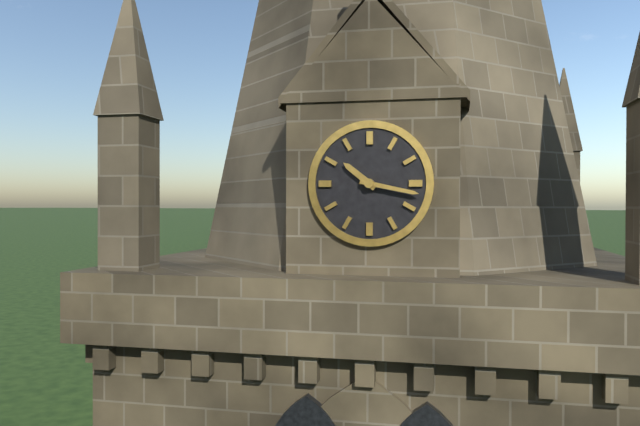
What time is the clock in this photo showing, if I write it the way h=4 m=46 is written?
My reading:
h=10 m=17
